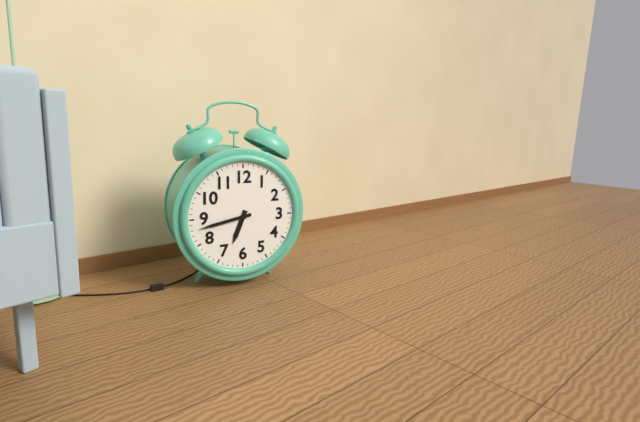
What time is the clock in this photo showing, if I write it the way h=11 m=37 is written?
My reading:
h=6 m=43
